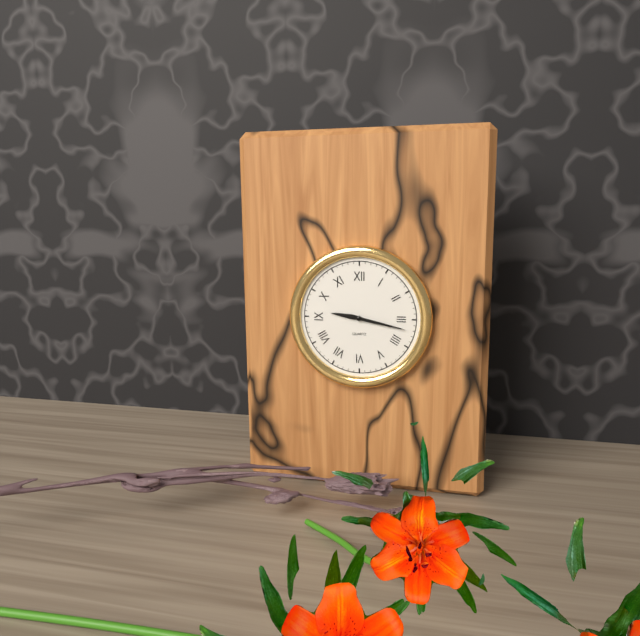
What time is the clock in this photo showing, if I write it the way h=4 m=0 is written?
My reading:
h=9 m=17
